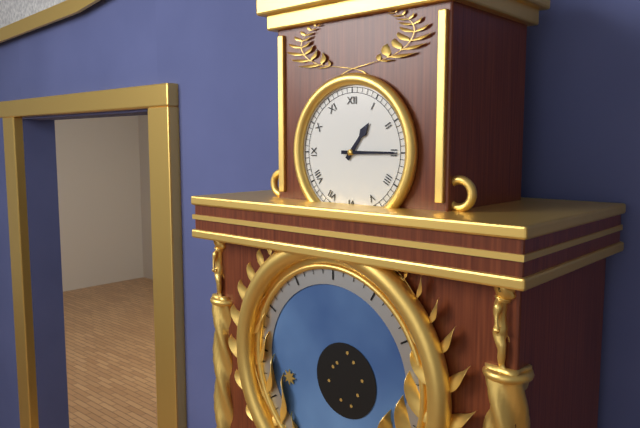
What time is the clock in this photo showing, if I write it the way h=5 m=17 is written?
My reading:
h=1 m=15
